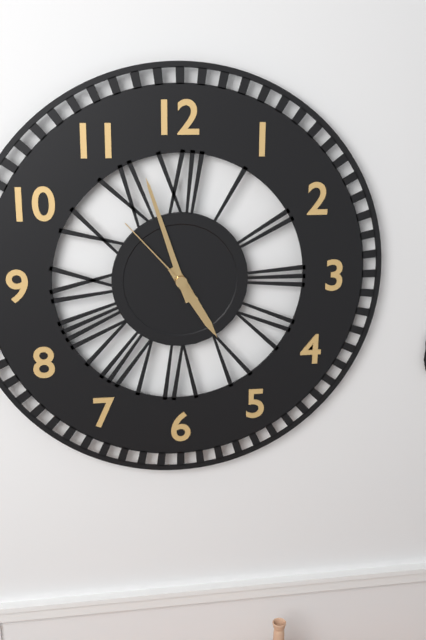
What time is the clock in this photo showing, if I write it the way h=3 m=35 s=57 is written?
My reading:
h=4 m=57 s=53
